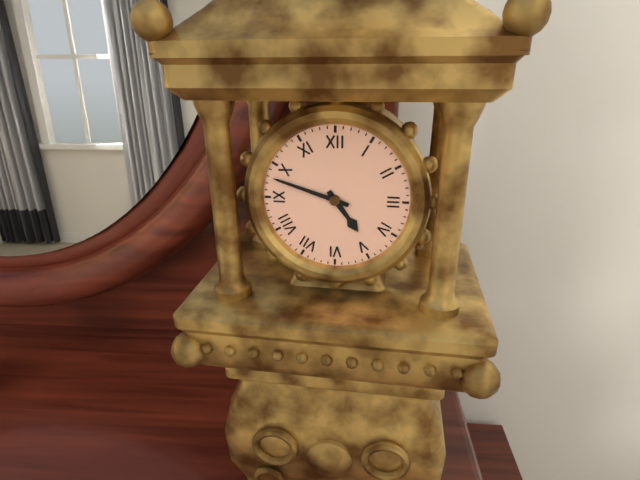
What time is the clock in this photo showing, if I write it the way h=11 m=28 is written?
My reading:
h=4 m=48
